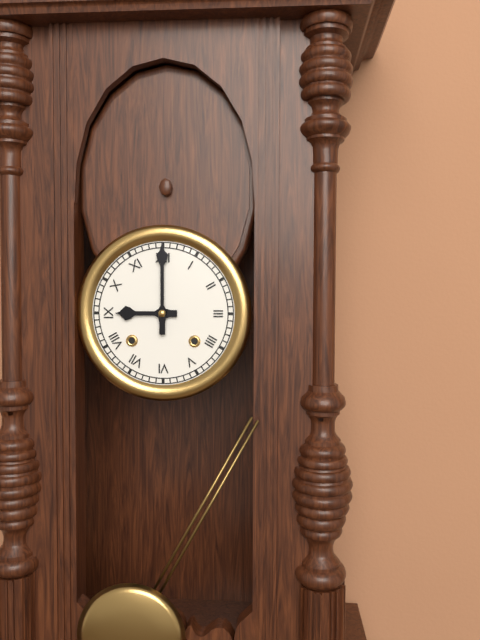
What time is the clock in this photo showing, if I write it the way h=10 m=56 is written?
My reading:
h=9 m=0
